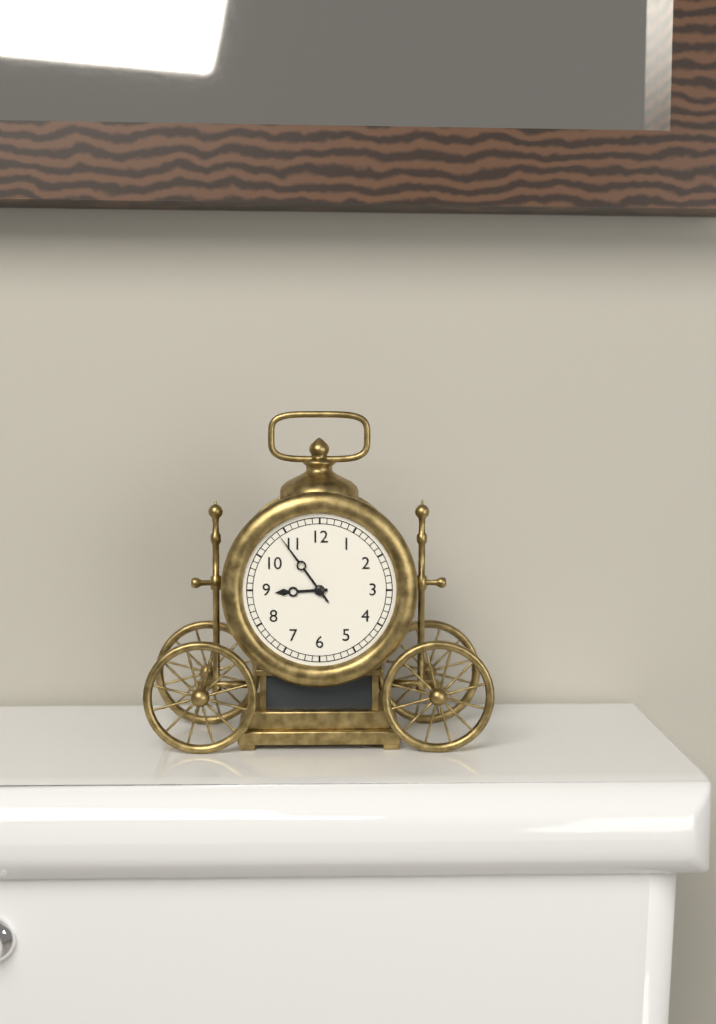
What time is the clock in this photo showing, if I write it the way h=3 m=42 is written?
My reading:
h=8 m=54
